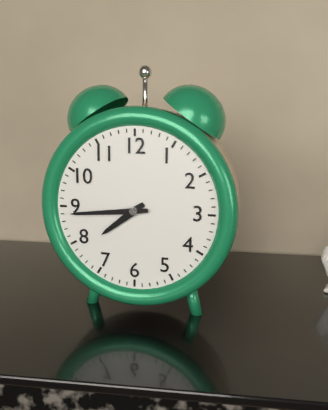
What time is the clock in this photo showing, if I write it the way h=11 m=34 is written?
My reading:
h=7 m=44
